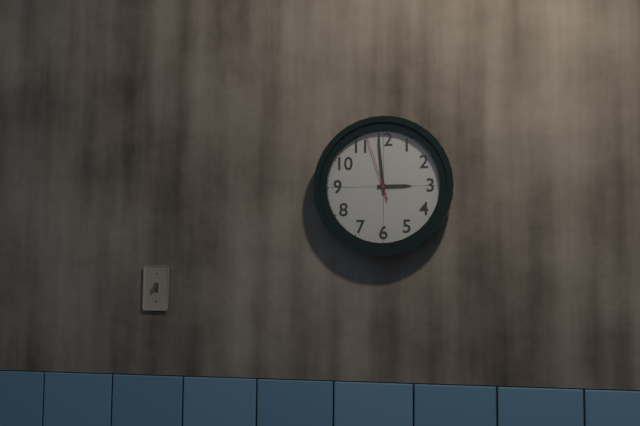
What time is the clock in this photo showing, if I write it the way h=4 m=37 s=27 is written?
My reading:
h=2 m=59 s=57
